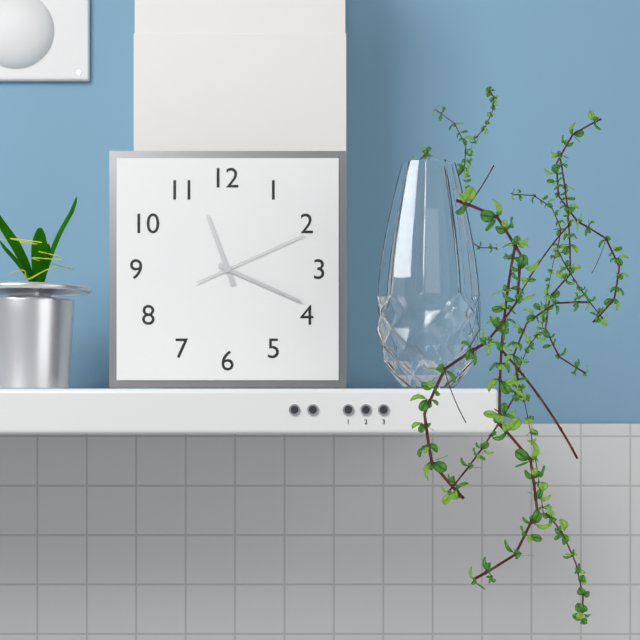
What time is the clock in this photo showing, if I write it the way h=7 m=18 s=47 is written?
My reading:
h=11 m=19 s=11
